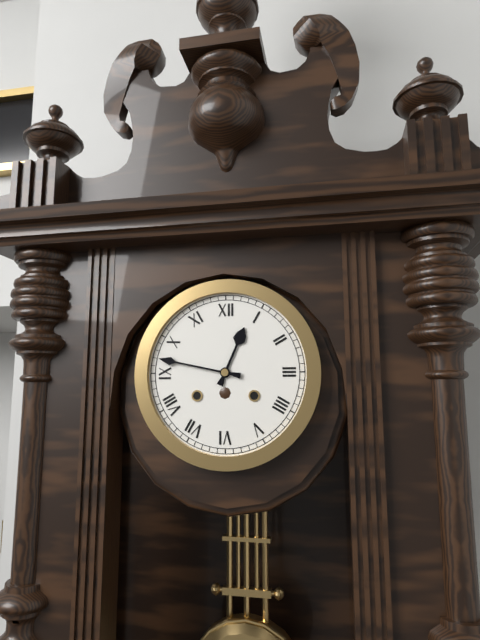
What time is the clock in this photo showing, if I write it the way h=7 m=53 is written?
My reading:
h=12 m=47
